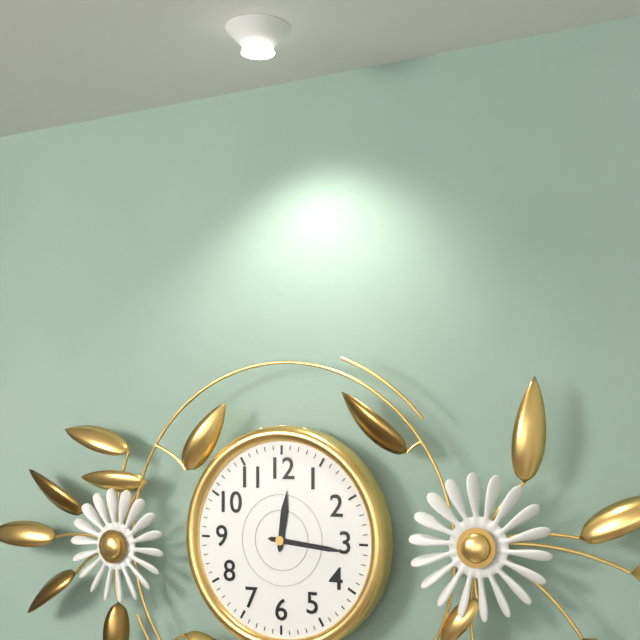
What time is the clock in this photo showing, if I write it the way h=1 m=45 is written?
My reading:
h=12 m=16
